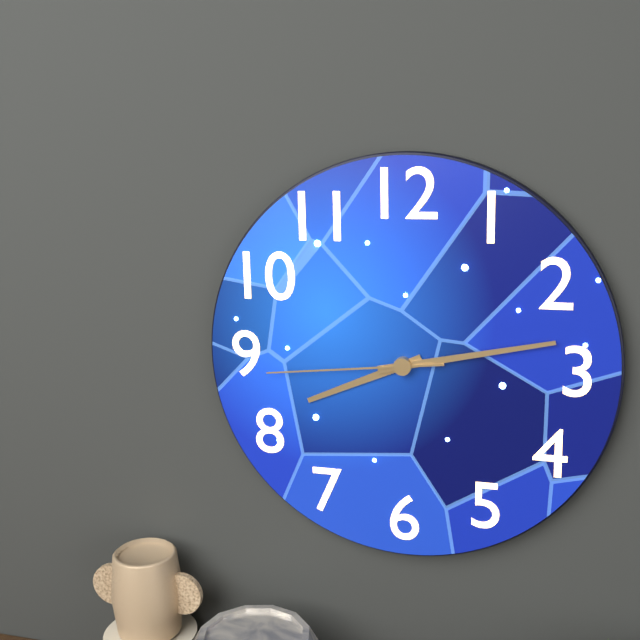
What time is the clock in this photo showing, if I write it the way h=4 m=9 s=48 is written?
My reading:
h=8 m=13 s=44
